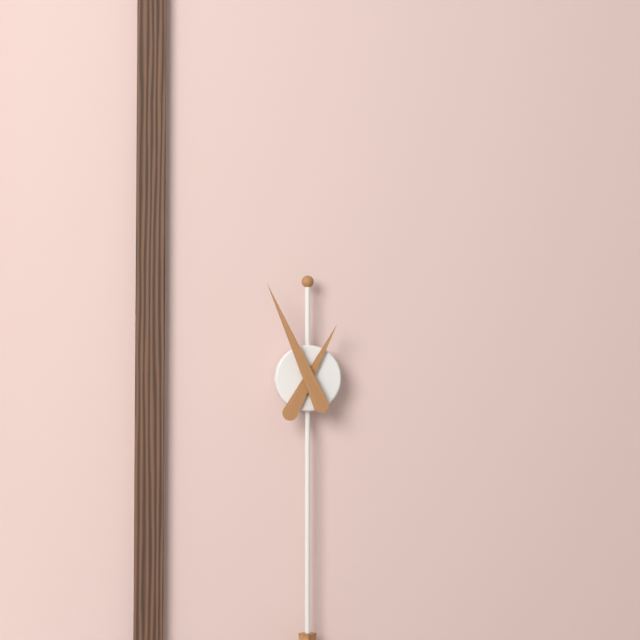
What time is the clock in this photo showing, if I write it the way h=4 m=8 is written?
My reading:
h=12 m=56
